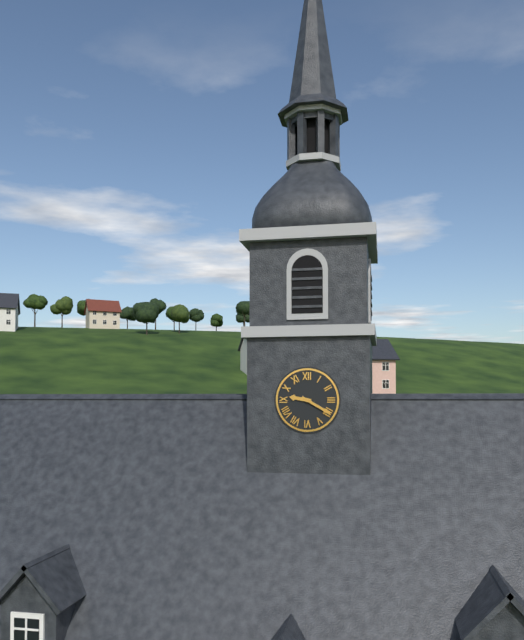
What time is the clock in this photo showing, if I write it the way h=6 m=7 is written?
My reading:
h=9 m=20
